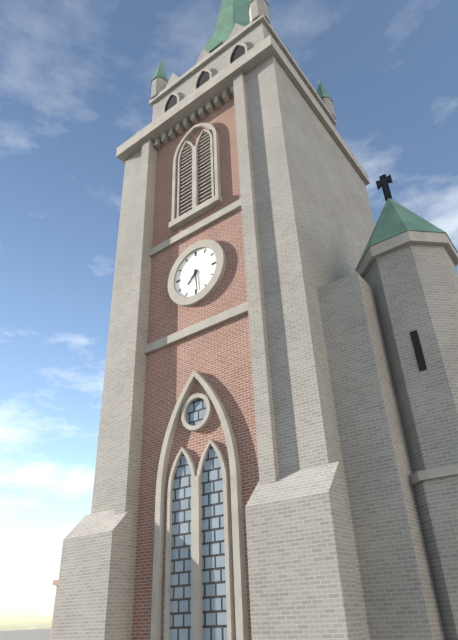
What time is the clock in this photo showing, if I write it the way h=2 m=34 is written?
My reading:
h=7 m=29
